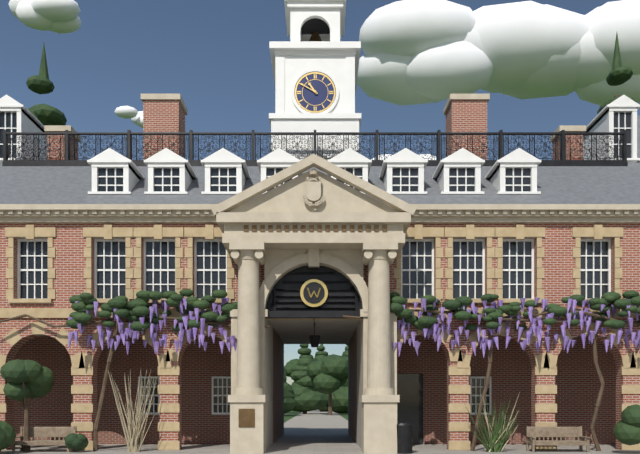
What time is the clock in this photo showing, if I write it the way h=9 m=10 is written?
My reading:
h=10 m=50
